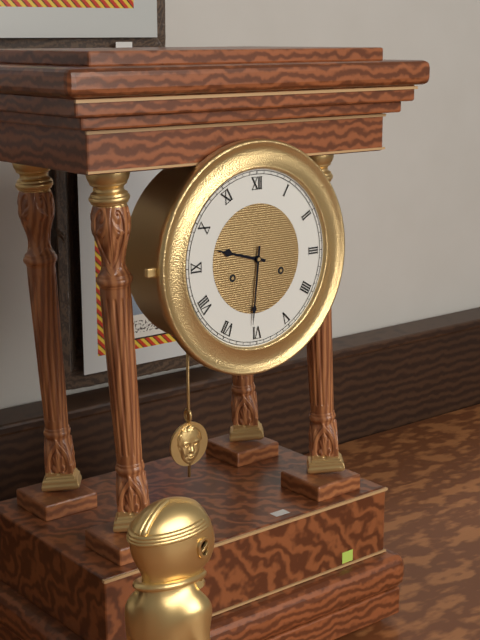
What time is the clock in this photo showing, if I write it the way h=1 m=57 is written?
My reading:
h=9 m=31
